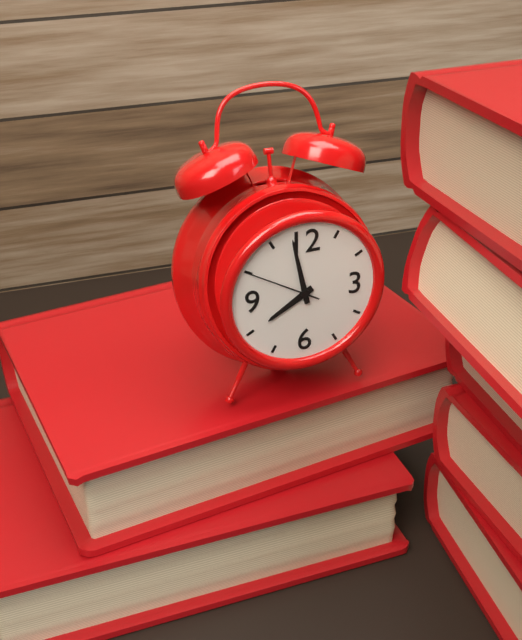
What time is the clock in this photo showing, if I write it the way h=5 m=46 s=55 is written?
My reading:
h=7 m=58 s=50
